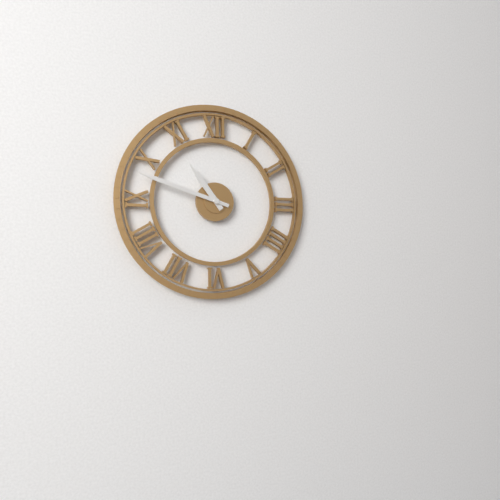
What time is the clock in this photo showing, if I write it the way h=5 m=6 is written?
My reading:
h=10 m=48
